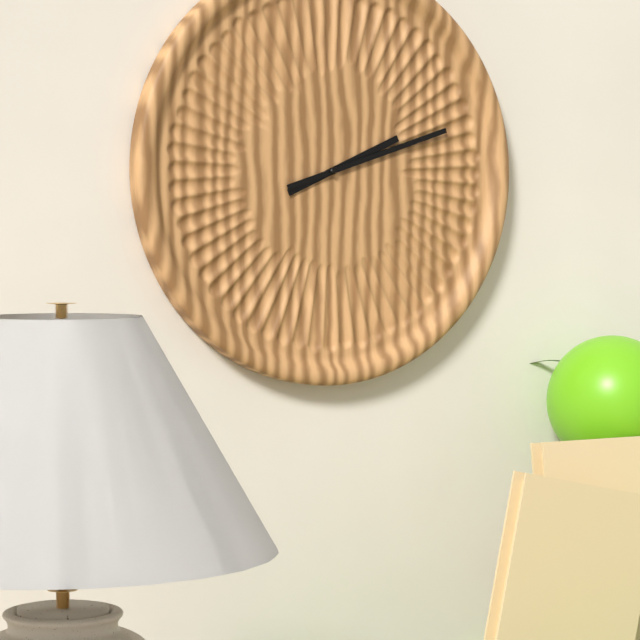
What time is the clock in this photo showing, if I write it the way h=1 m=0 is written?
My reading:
h=2 m=12
